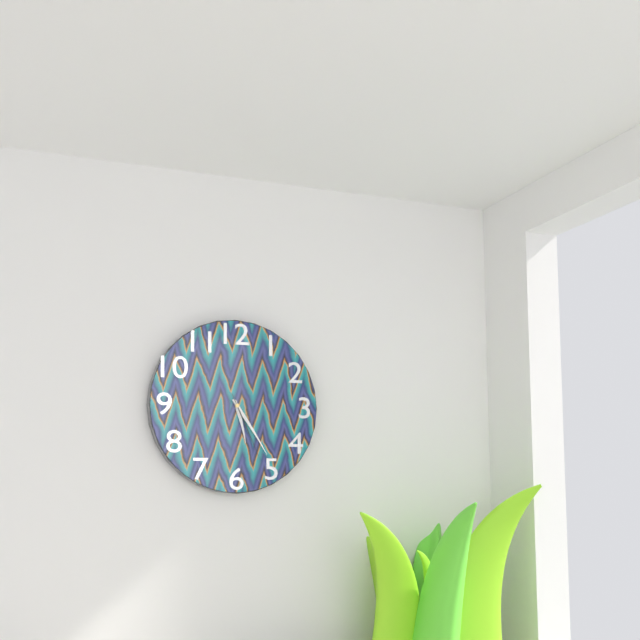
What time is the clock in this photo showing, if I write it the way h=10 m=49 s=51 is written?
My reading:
h=5 m=24 s=26
